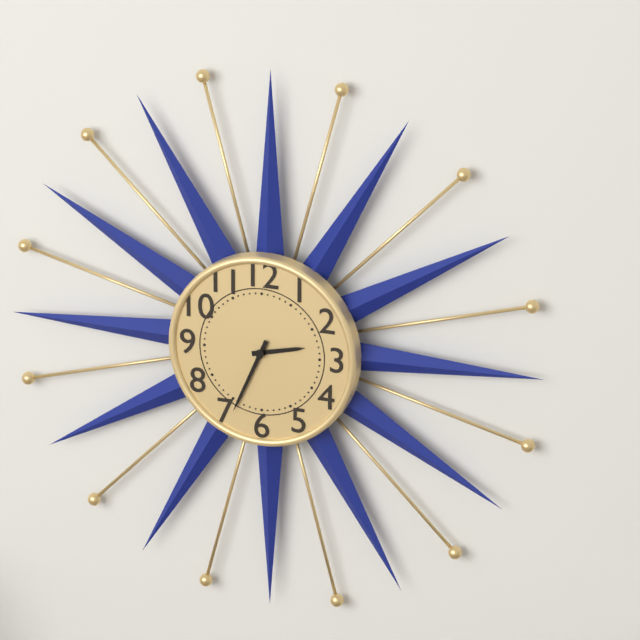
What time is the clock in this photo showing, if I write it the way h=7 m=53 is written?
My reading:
h=2 m=34
